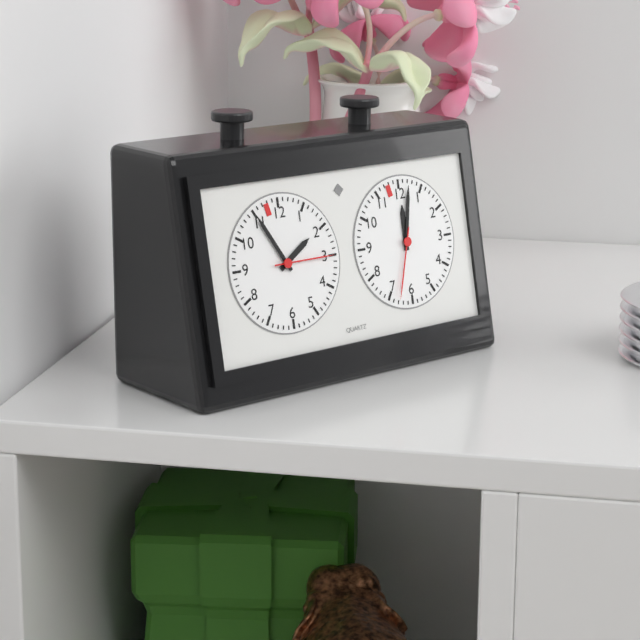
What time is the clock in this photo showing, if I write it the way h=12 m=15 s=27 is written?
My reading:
h=1 m=55 s=15
